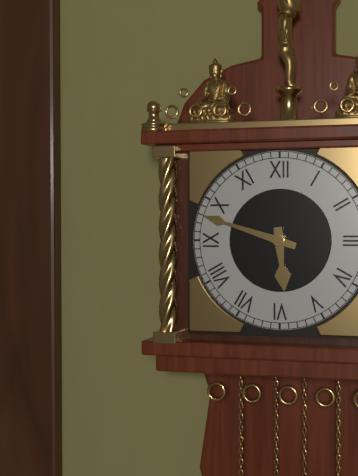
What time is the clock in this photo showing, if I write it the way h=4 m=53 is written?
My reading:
h=5 m=48
